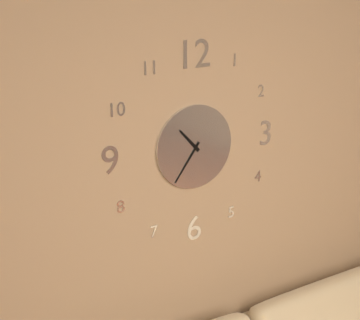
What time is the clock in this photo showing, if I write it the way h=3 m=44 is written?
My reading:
h=10 m=36
